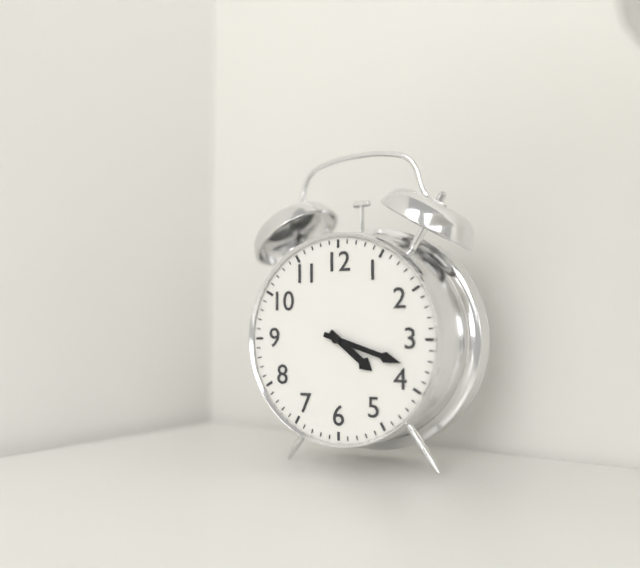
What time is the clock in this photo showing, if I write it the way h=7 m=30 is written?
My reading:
h=4 m=18
